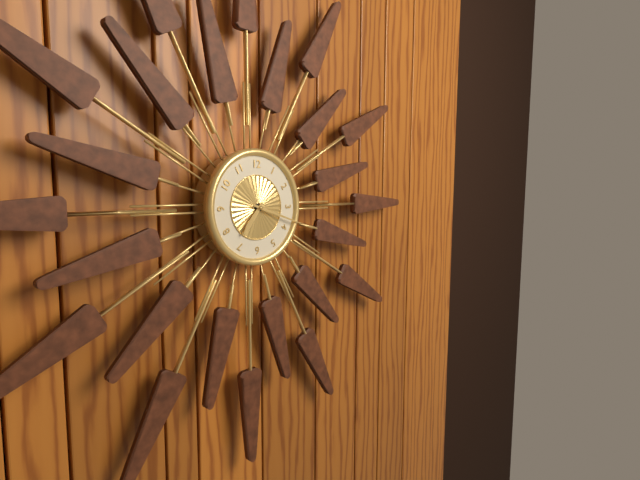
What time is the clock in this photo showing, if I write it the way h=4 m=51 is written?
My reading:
h=7 m=18
